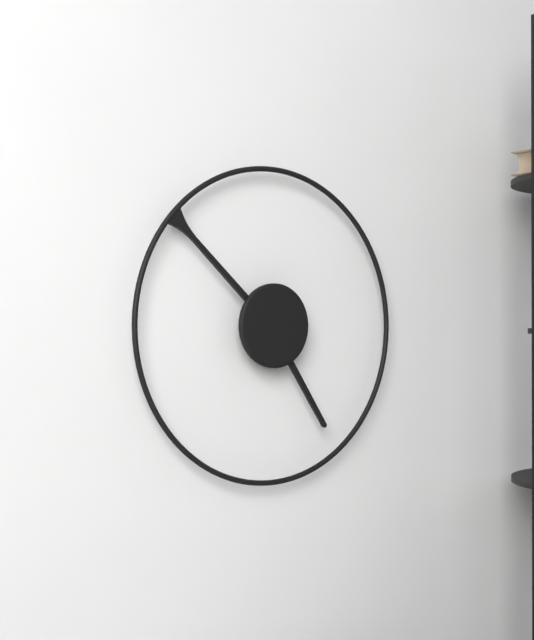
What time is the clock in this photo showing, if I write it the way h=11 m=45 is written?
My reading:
h=4 m=52
